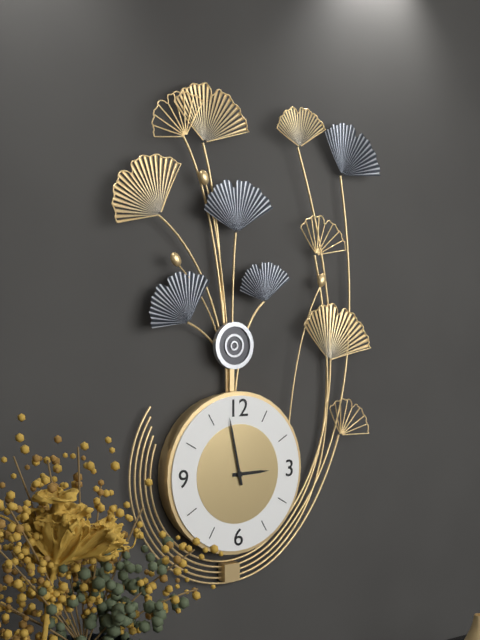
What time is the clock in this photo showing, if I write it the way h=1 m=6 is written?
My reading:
h=2 m=58
